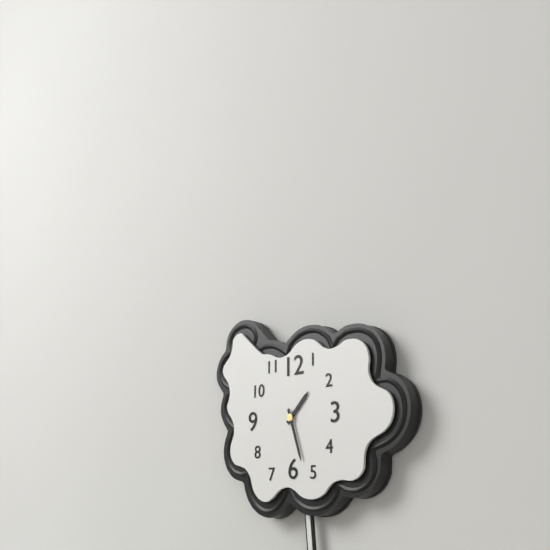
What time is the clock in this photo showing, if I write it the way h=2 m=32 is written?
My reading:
h=1 m=27
